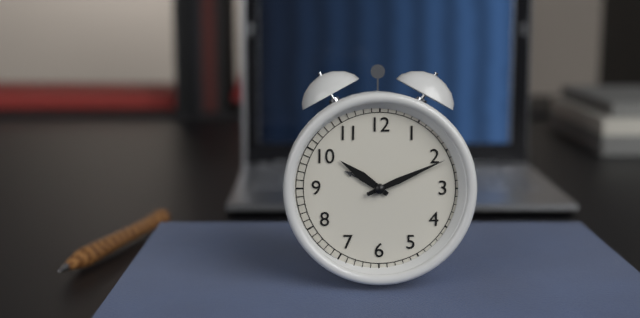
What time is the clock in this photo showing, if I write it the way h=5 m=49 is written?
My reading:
h=10 m=11
